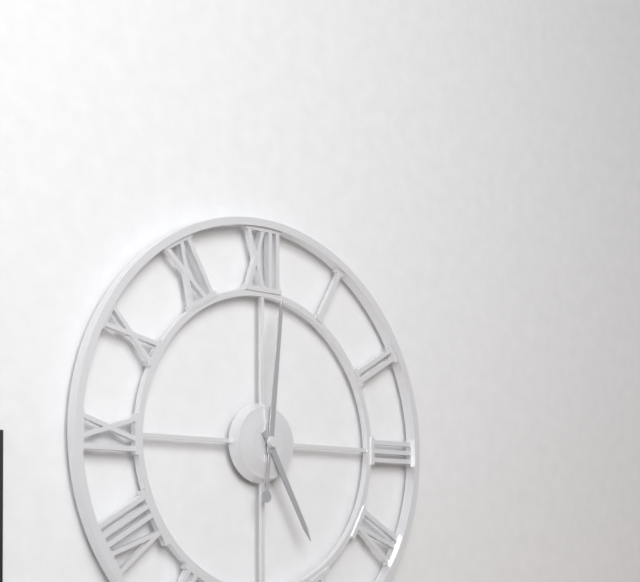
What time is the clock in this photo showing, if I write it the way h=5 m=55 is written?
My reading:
h=5 m=1
